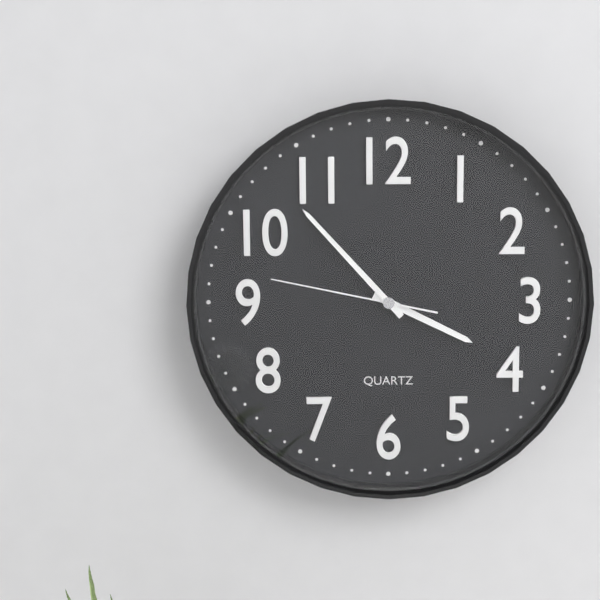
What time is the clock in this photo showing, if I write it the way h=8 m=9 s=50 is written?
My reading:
h=3 m=53 s=47
